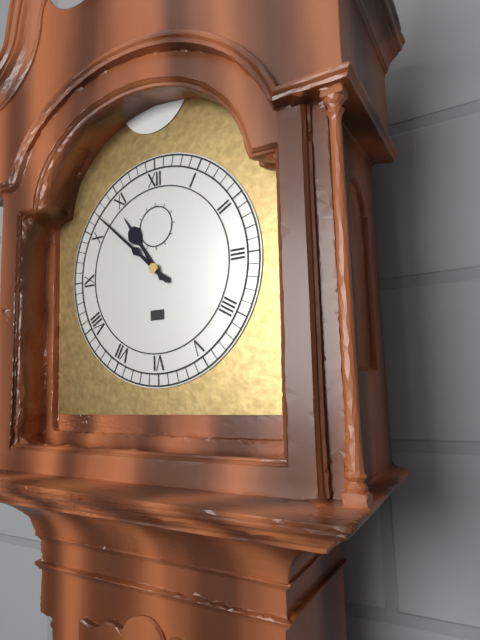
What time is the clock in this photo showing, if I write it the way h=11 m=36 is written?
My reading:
h=10 m=52
